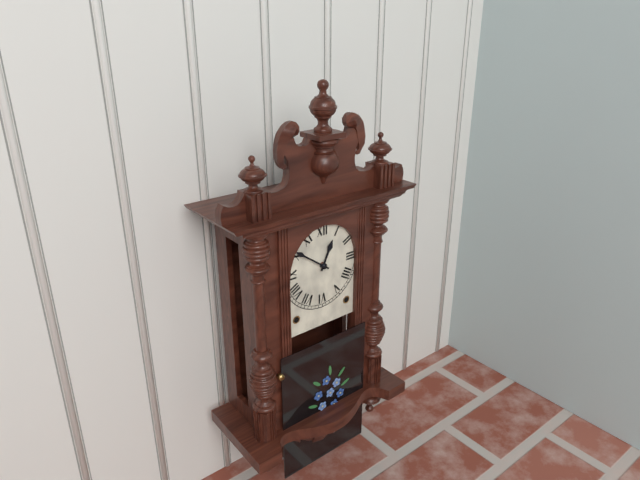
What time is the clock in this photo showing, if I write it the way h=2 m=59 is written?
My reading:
h=12 m=51
